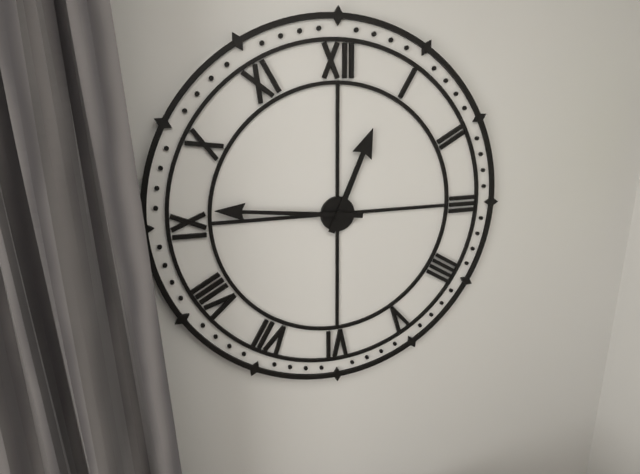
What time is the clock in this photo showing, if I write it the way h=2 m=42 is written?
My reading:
h=12 m=46
